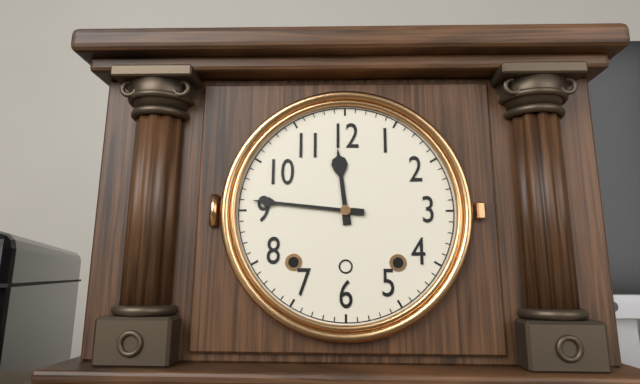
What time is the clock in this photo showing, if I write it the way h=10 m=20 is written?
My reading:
h=11 m=46
